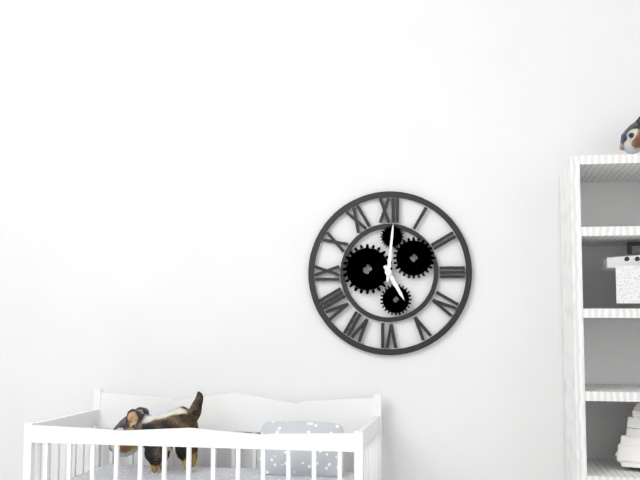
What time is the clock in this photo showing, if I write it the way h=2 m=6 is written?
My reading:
h=5 m=1
